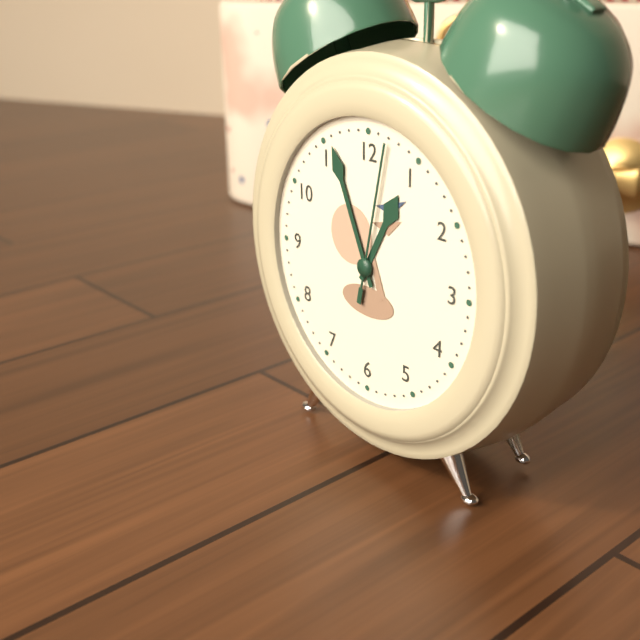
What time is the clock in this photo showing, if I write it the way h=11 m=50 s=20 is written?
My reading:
h=12 m=56 s=2
